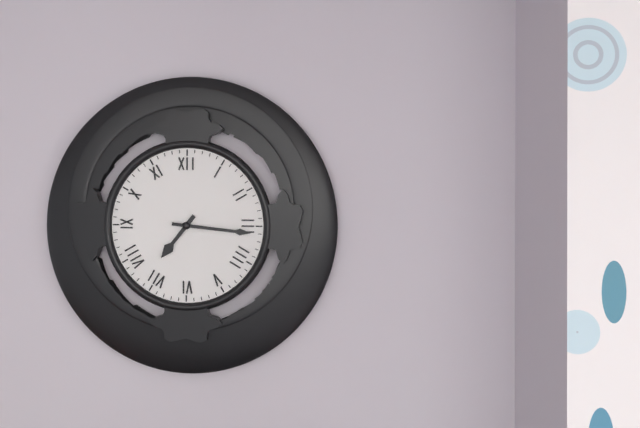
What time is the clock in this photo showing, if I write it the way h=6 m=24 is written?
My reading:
h=7 m=16
